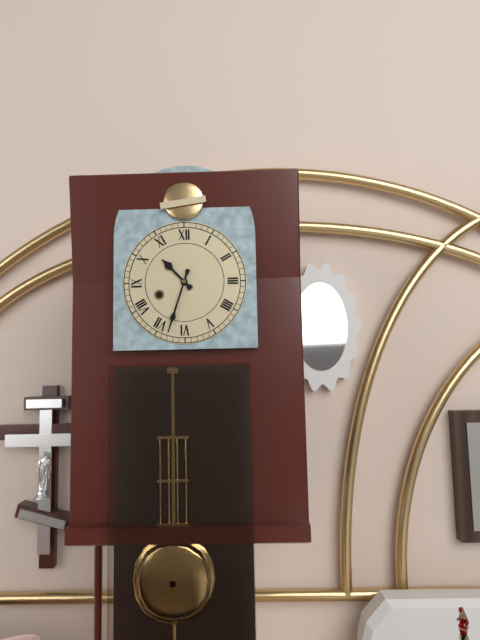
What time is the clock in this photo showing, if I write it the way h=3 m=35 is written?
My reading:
h=10 m=33
